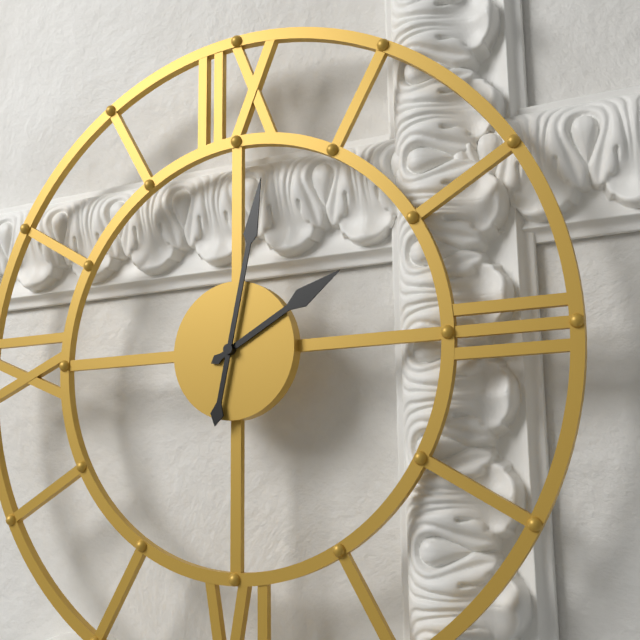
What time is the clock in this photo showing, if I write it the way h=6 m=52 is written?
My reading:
h=2 m=2
